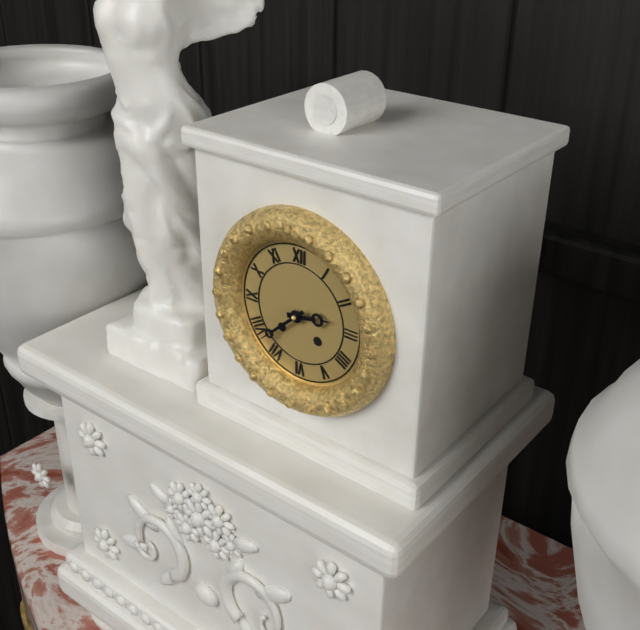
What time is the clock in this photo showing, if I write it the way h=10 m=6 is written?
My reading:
h=2 m=38
